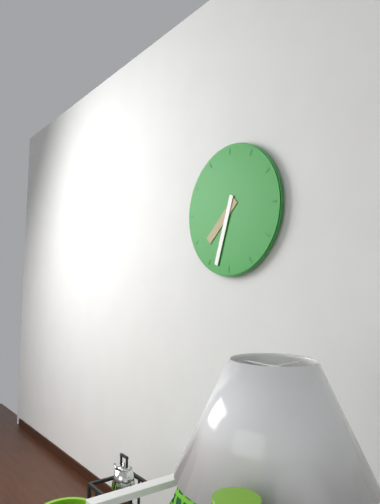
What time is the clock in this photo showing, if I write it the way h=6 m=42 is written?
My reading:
h=7 m=33
